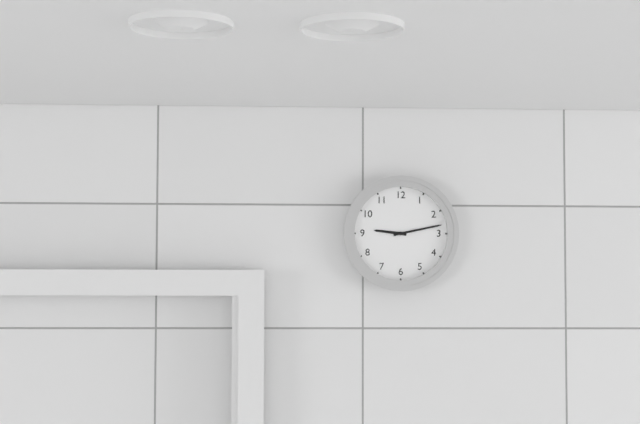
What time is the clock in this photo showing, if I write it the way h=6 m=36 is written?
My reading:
h=9 m=13
